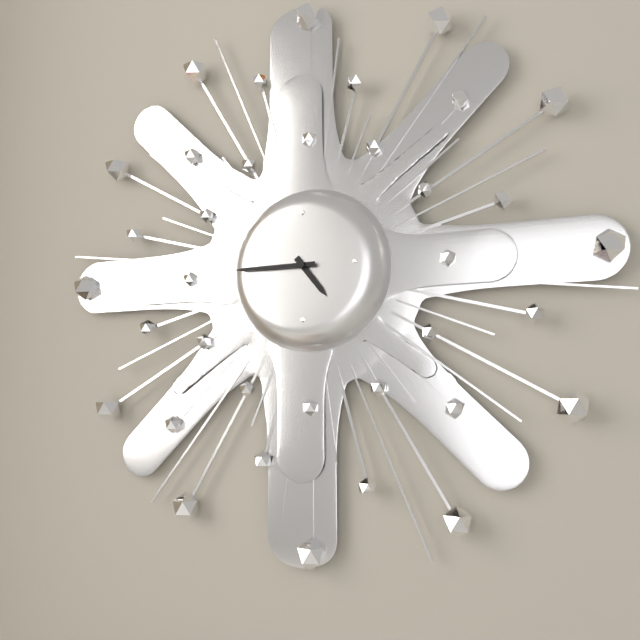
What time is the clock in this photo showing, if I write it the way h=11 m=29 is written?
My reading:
h=4 m=45
